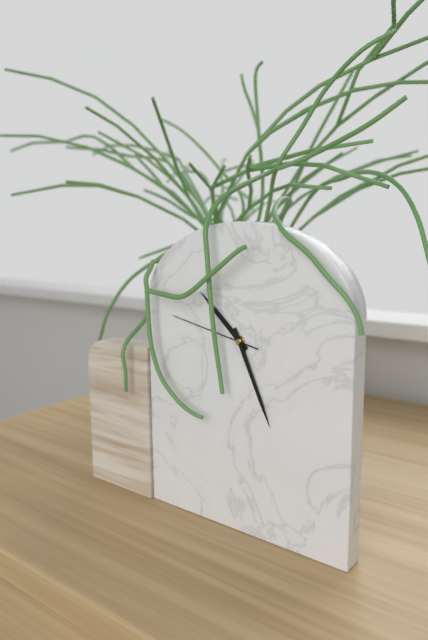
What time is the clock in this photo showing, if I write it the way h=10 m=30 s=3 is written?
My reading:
h=10 m=26 s=47
